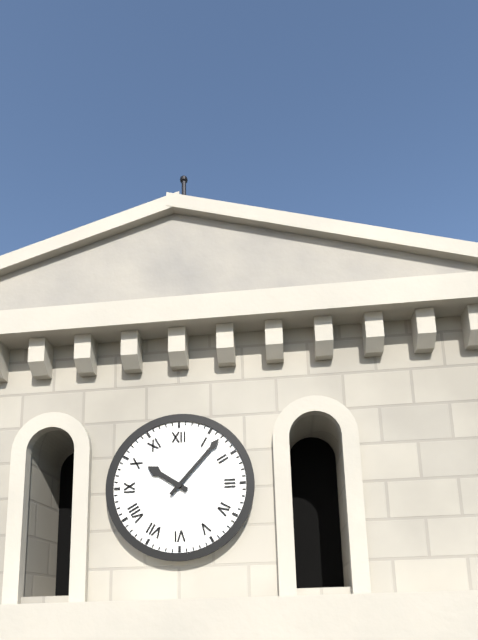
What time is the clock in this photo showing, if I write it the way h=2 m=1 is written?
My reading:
h=10 m=7
